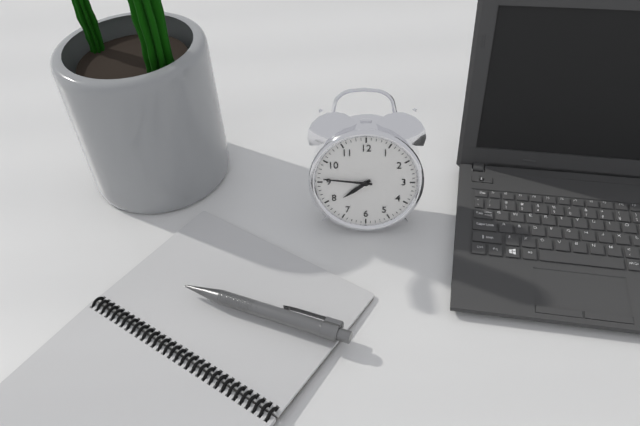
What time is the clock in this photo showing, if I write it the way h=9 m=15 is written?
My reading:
h=7 m=46
